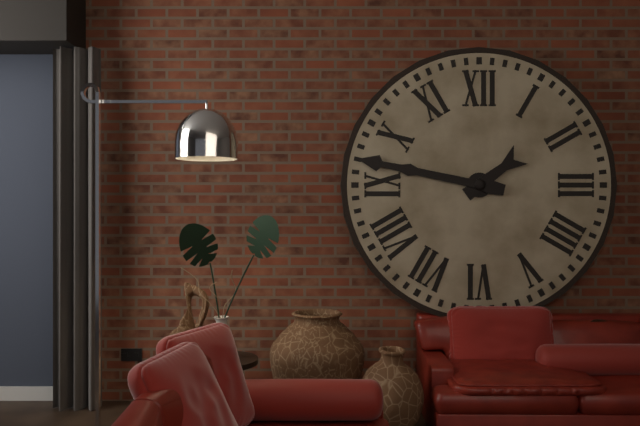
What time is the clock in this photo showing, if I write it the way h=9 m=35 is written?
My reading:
h=1 m=47
